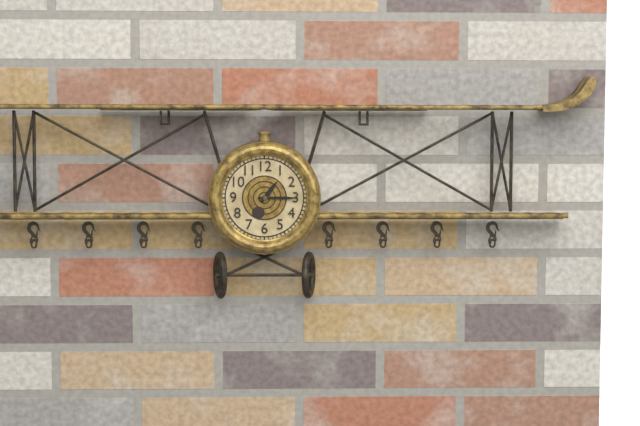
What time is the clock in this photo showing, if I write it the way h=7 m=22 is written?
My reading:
h=1 m=15
